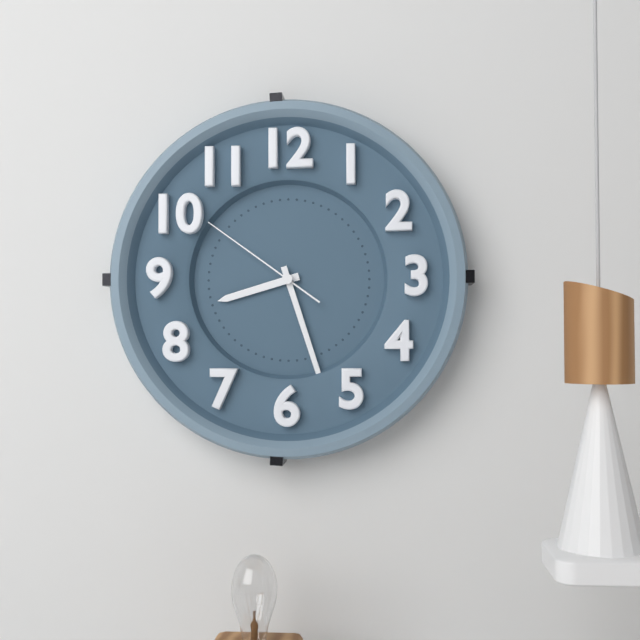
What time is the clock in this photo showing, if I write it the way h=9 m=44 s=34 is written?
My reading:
h=8 m=27 s=51
